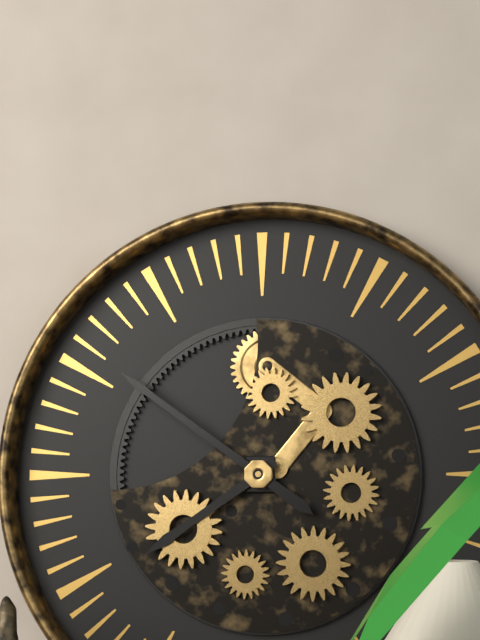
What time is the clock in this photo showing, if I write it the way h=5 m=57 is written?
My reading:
h=7 m=51
